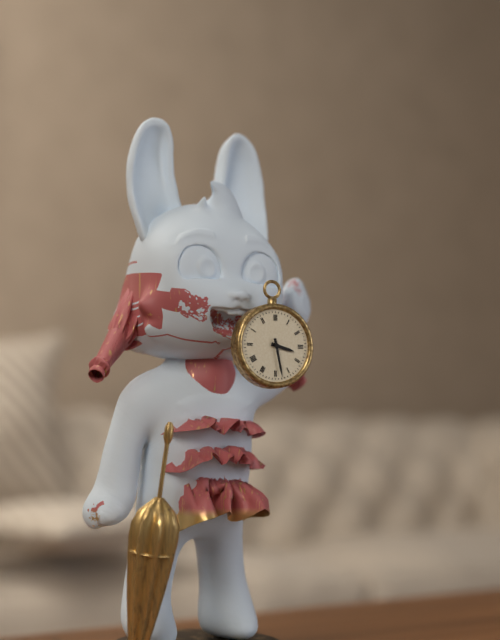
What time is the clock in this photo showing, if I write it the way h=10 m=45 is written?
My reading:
h=3 m=28
